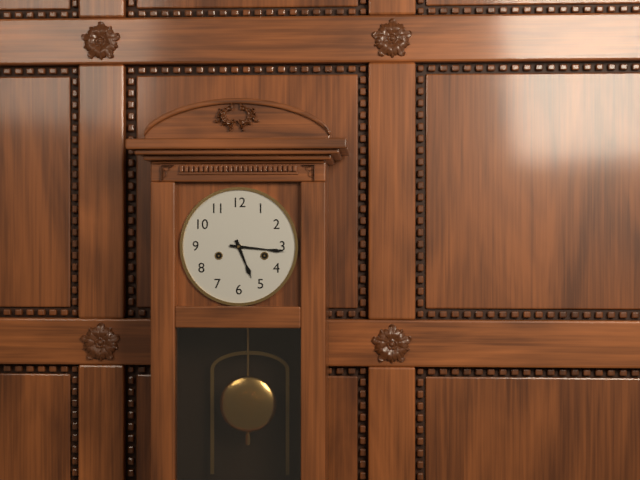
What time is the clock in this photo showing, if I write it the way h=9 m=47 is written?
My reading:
h=5 m=16
